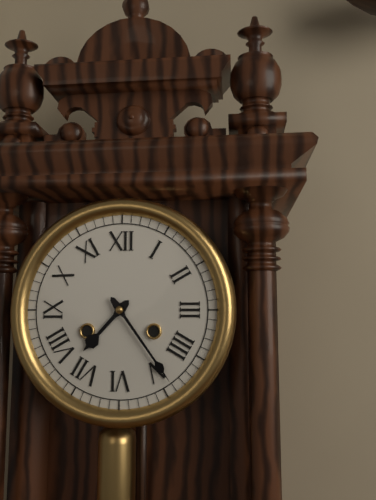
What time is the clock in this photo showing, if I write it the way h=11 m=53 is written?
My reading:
h=7 m=24
